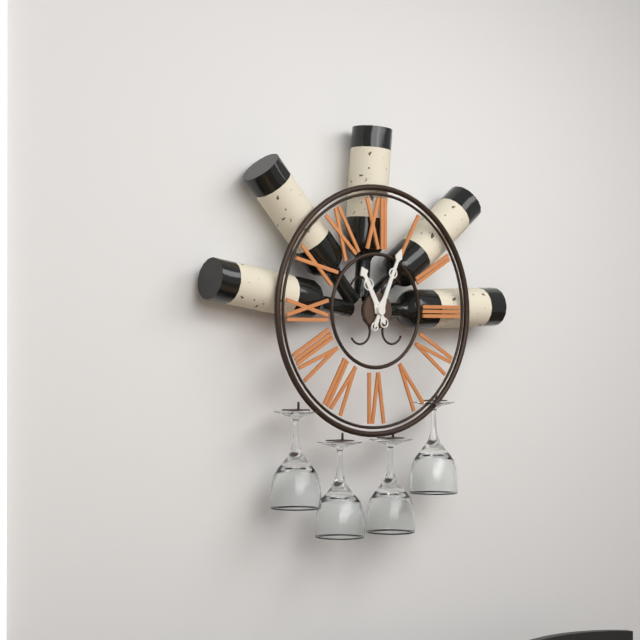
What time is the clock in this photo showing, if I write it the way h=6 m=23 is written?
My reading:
h=11 m=4
